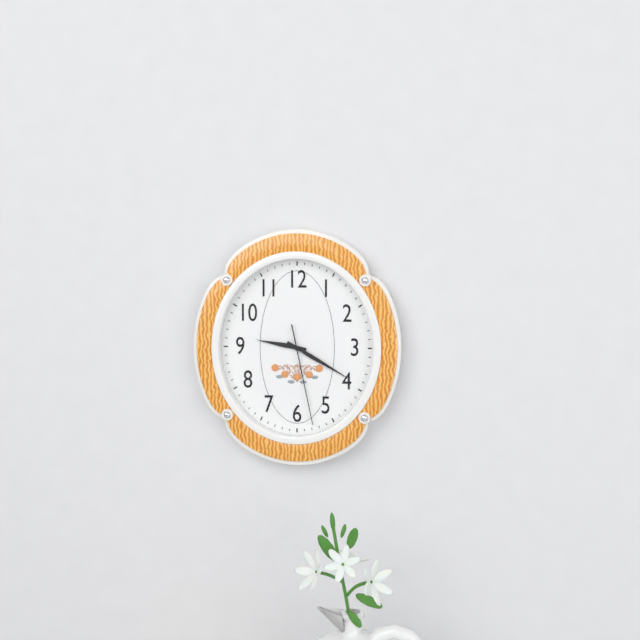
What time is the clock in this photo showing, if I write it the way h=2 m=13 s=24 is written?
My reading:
h=9 m=20 s=28
